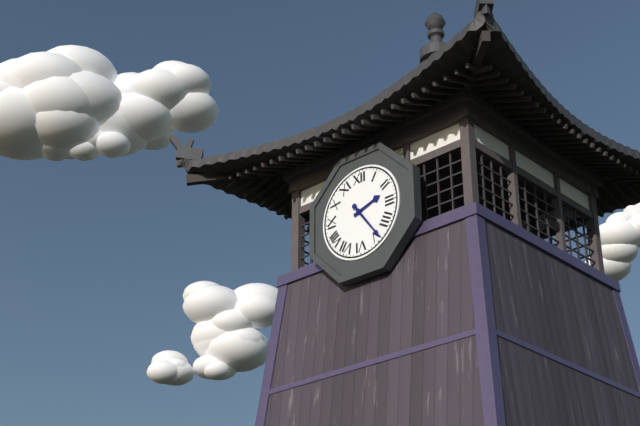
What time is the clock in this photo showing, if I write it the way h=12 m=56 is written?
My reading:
h=2 m=24
